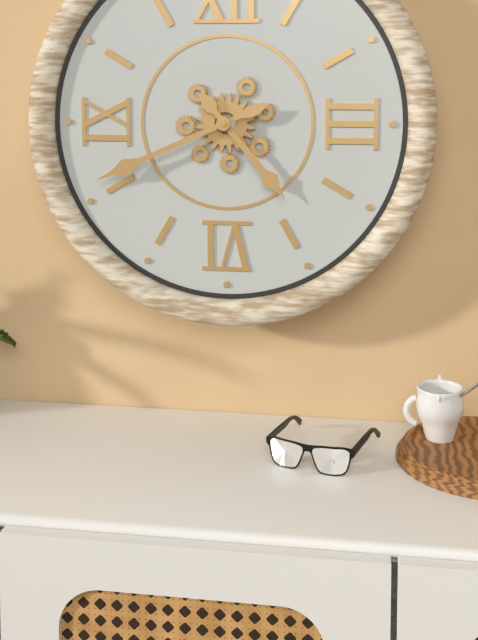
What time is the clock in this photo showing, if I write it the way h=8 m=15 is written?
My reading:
h=4 m=41
